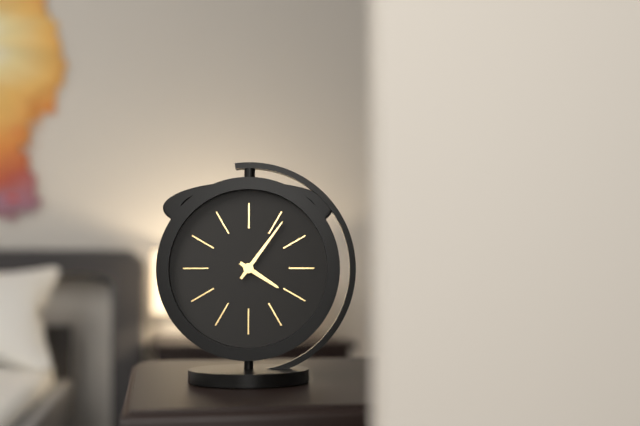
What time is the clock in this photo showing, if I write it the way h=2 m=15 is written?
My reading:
h=4 m=6
